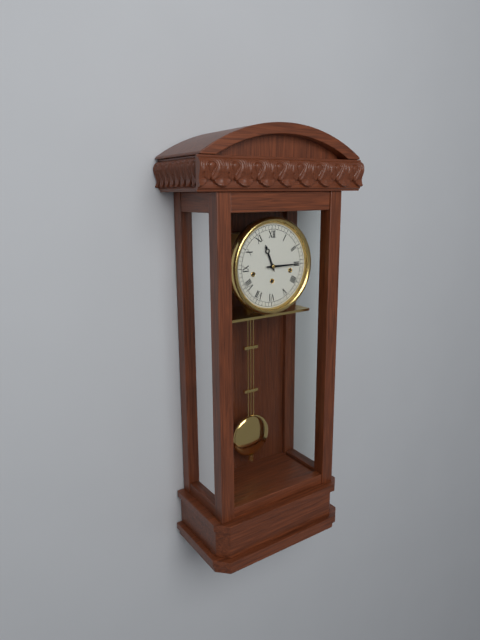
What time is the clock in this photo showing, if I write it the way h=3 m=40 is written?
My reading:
h=11 m=15
